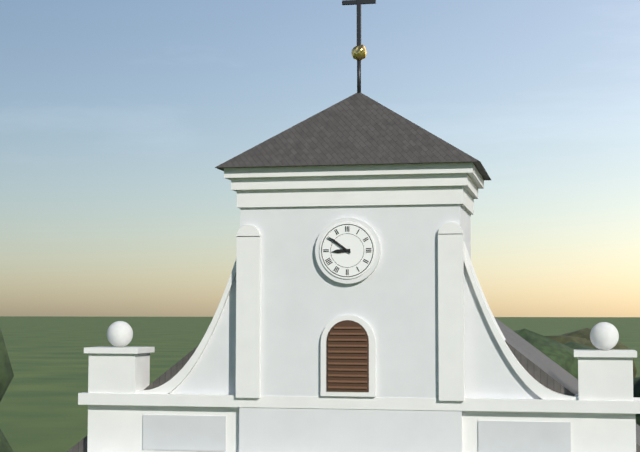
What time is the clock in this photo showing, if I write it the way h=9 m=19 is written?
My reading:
h=8 m=51
